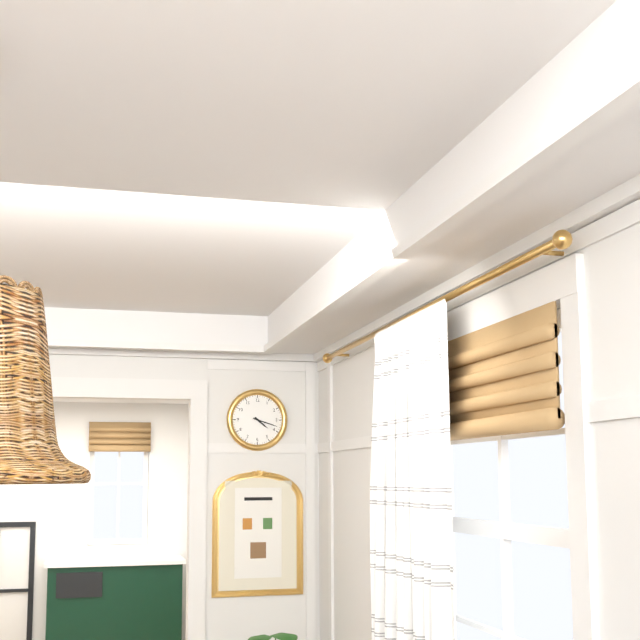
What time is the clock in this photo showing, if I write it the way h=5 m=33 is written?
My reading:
h=4 m=18
